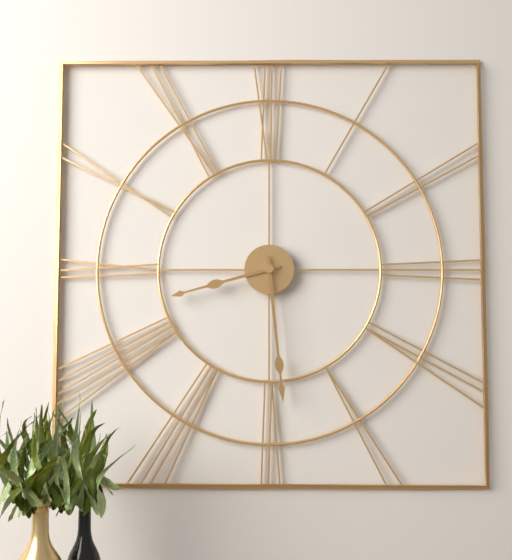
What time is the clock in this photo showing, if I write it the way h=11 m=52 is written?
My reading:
h=8 m=29
